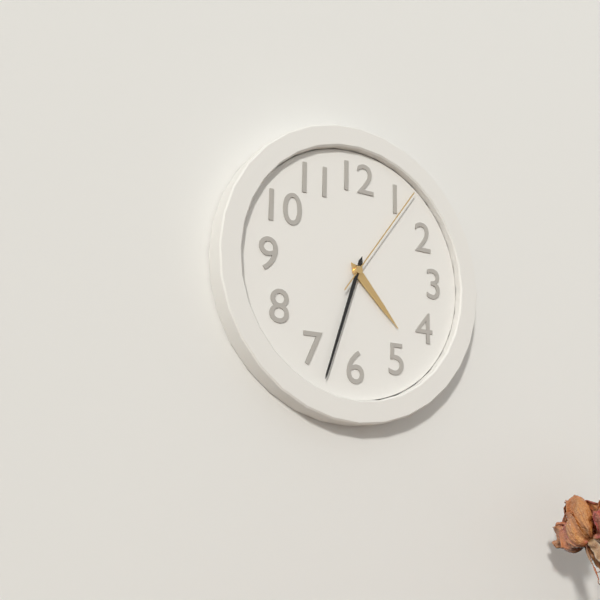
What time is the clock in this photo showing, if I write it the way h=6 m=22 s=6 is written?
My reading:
h=4 m=33 s=6
